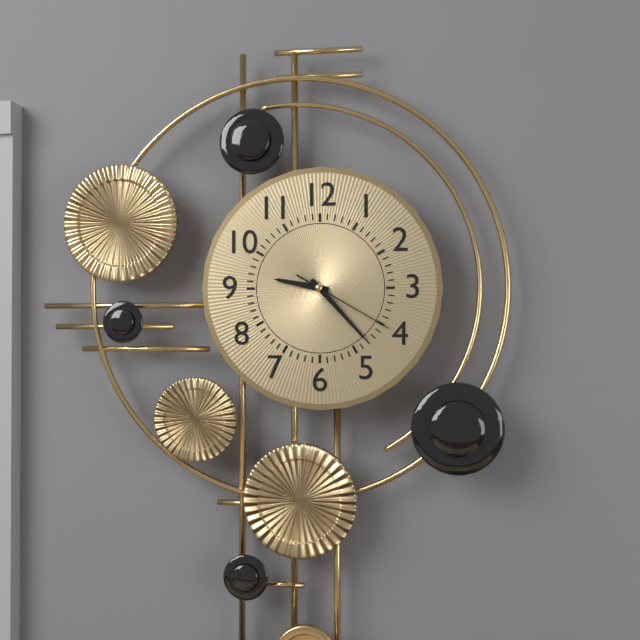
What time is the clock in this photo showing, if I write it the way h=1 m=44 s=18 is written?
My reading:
h=9 m=23 s=20
